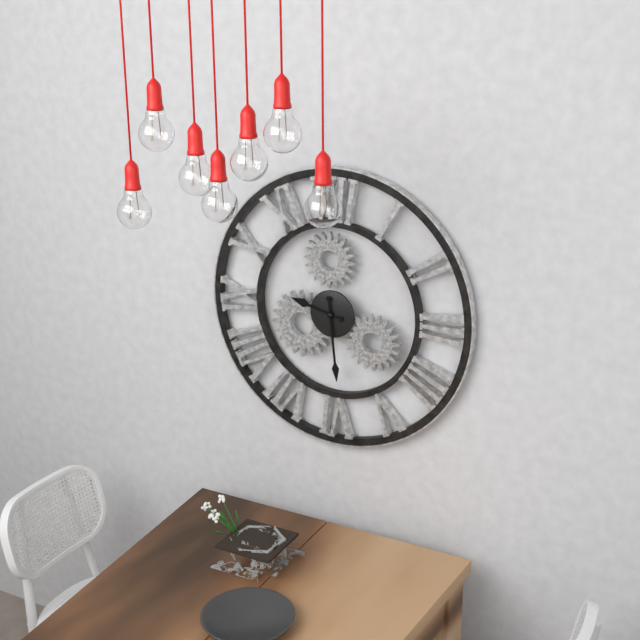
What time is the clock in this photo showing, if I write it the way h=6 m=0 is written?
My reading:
h=9 m=29
